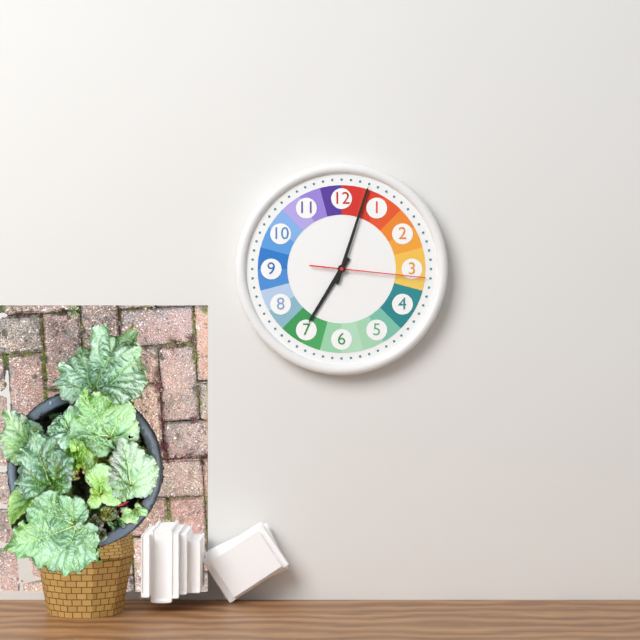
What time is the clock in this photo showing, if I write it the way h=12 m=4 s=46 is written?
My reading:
h=7 m=3 s=16
